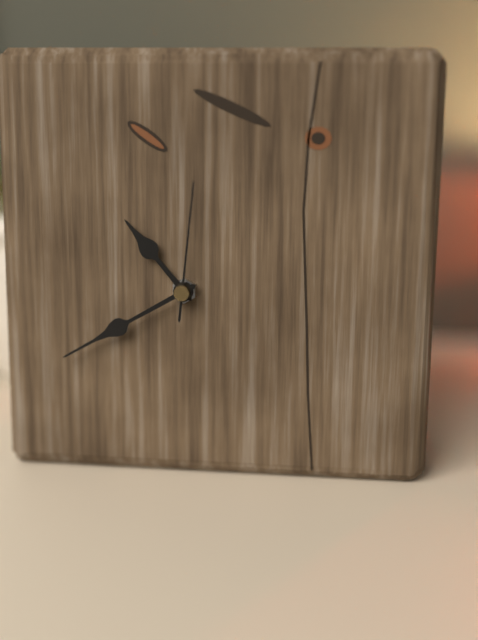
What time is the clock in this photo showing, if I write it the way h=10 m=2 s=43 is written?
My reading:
h=10 m=40 s=1
